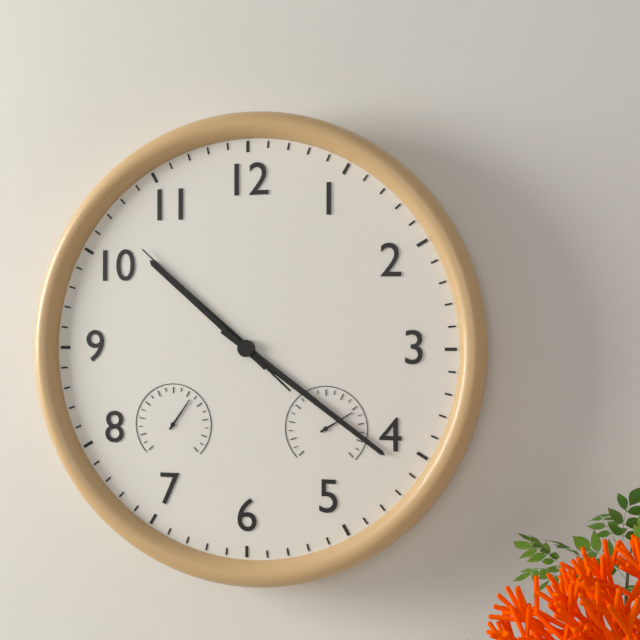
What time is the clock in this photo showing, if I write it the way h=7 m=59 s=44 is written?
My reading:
h=10 m=21 s=52
